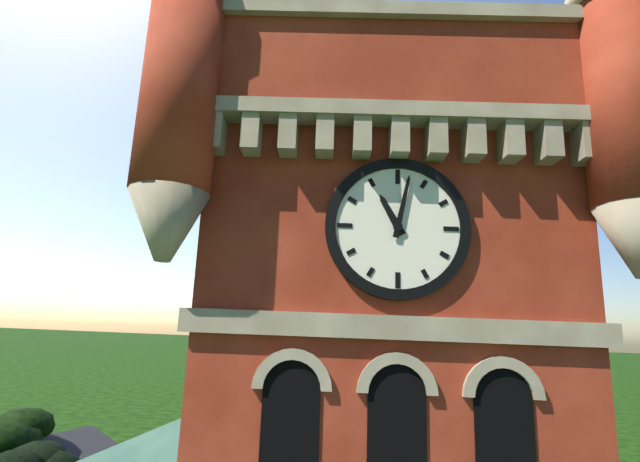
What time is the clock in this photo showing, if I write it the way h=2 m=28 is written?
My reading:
h=11 m=2
